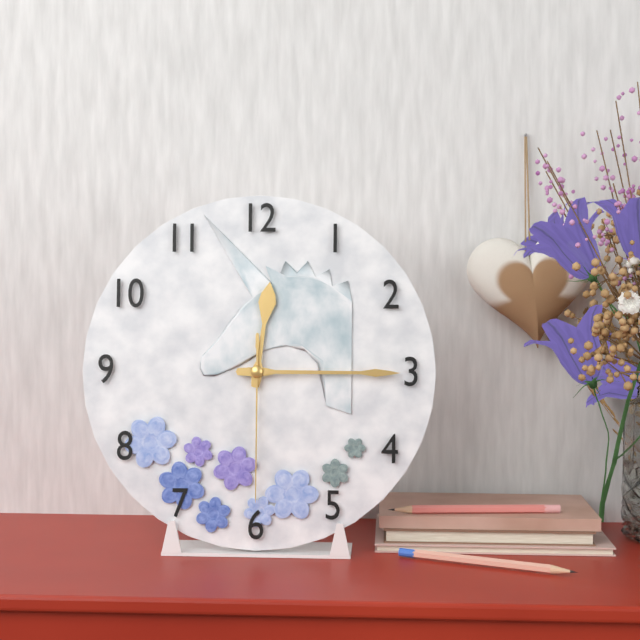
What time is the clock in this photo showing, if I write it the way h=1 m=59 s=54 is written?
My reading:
h=12 m=15 s=30
